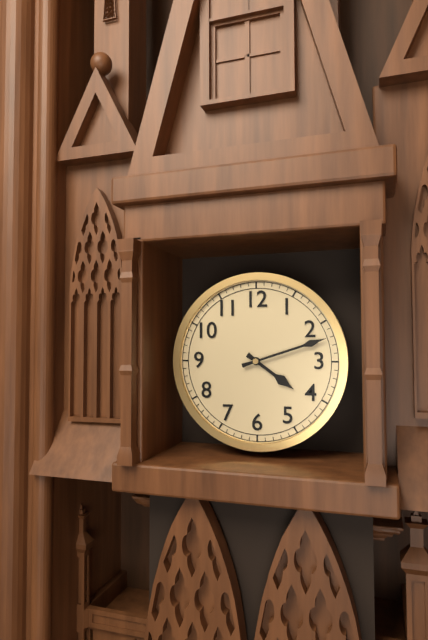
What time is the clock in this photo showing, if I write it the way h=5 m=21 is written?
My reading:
h=4 m=12
